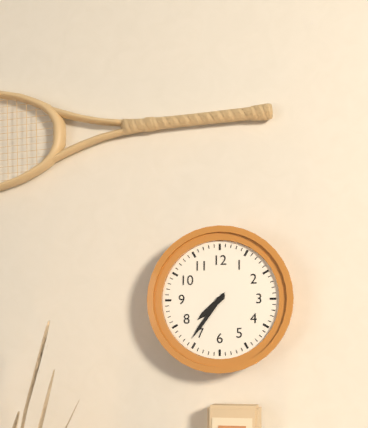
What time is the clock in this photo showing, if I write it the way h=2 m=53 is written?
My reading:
h=7 m=36
